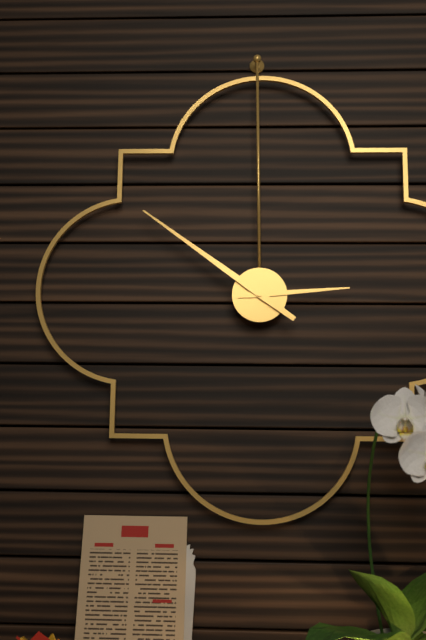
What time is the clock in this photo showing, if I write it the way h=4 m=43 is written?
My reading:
h=2 m=51
